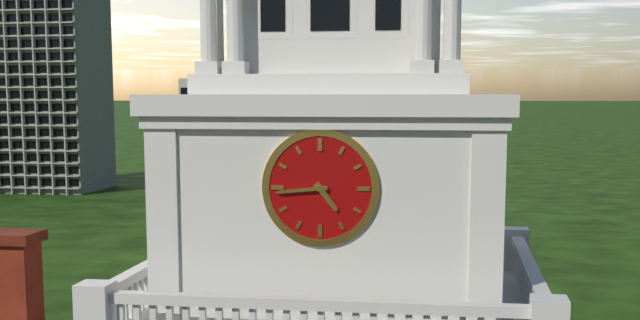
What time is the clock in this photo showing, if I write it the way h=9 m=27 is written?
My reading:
h=4 m=44
